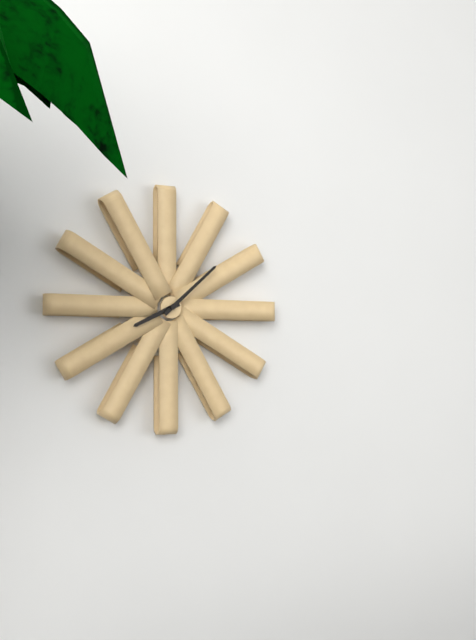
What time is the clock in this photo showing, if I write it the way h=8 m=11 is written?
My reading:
h=8 m=8
